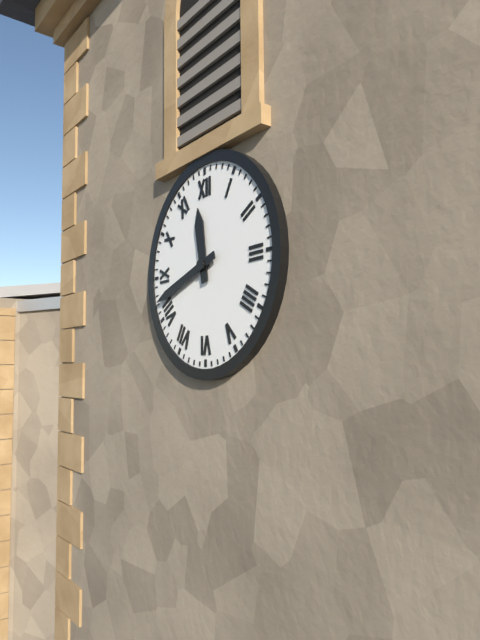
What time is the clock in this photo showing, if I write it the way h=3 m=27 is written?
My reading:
h=11 m=42
